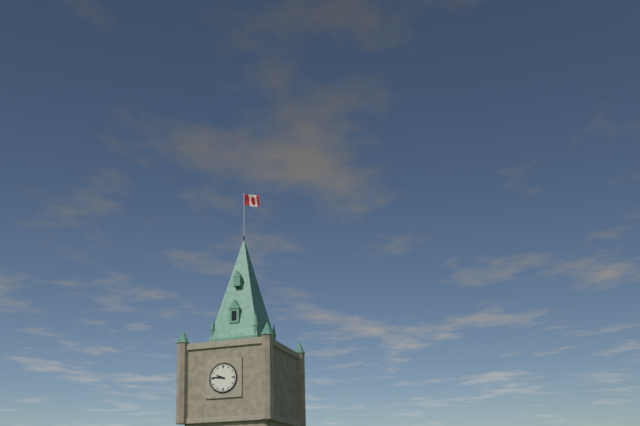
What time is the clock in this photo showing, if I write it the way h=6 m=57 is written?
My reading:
h=9 m=46
